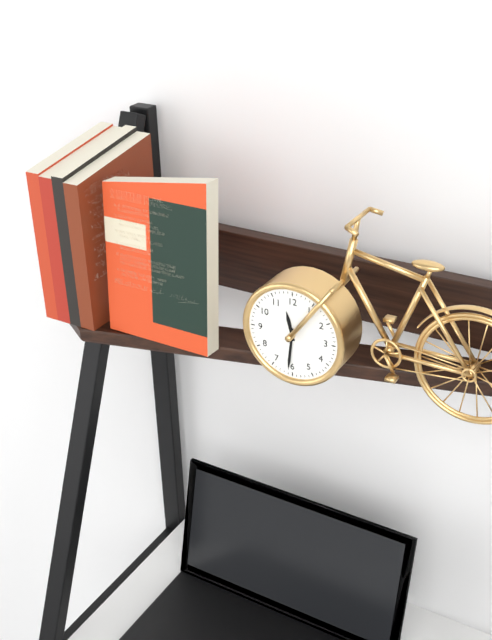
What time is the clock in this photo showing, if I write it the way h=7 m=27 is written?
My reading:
h=11 m=31
